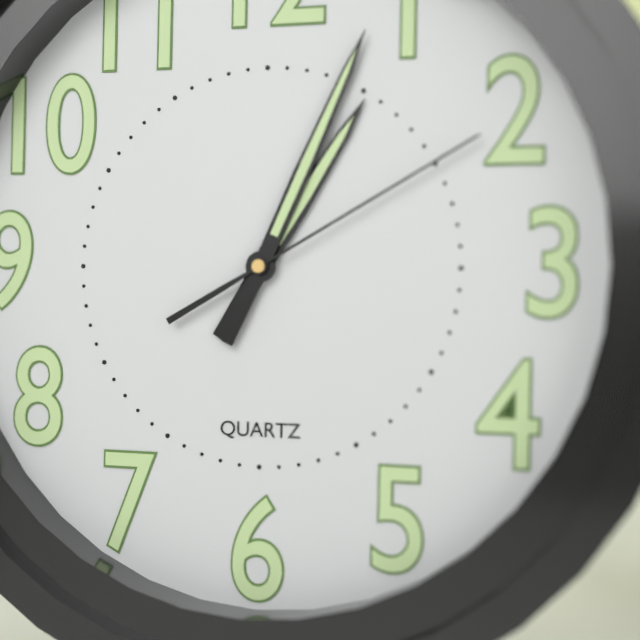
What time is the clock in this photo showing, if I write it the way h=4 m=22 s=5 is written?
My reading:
h=1 m=4 s=10
